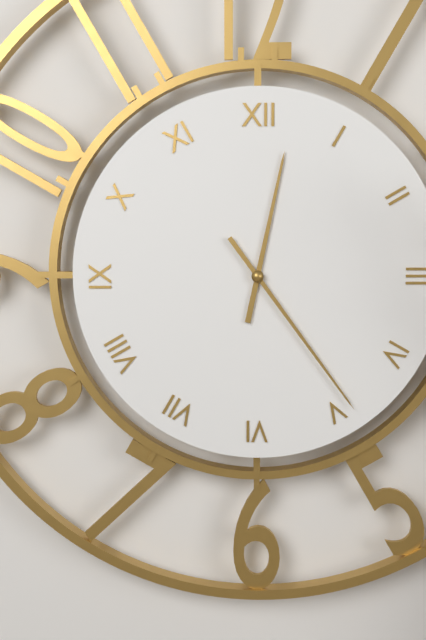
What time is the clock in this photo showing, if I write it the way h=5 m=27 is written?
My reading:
h=12 m=24
